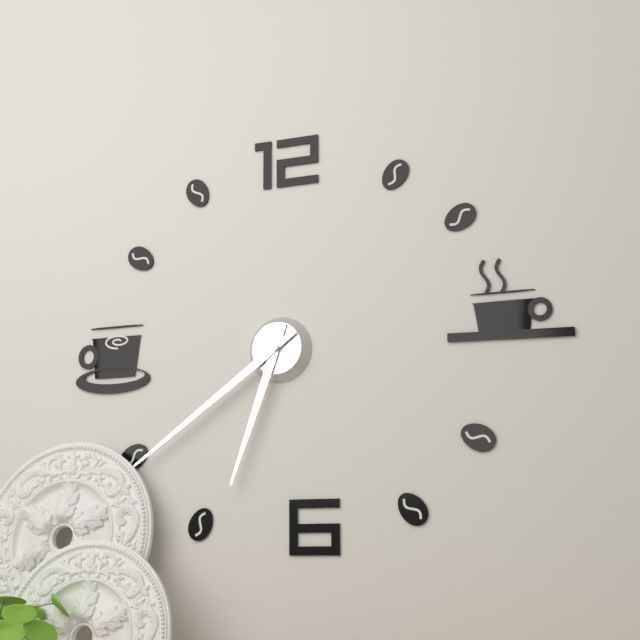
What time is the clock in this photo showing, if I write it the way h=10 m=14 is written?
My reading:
h=6 m=39
